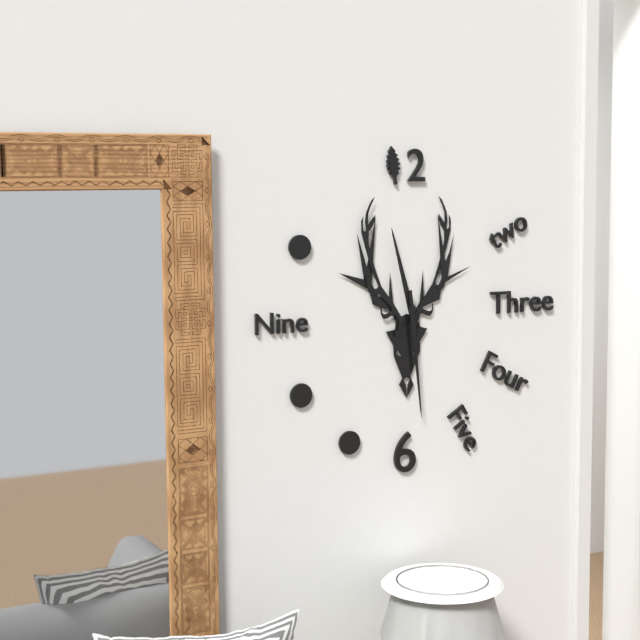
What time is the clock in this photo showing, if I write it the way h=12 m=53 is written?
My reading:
h=11 m=29
